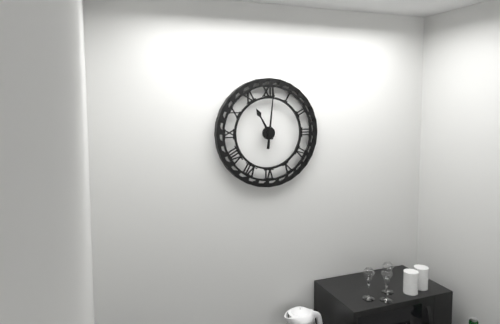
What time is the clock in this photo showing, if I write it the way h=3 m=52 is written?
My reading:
h=11 m=1
